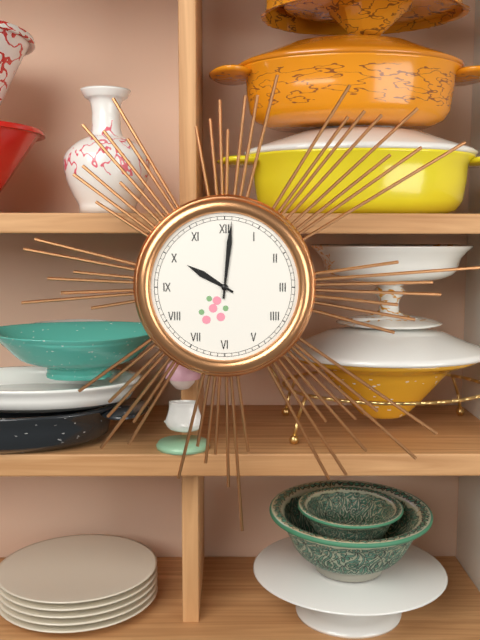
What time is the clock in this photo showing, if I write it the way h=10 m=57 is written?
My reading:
h=10 m=1
